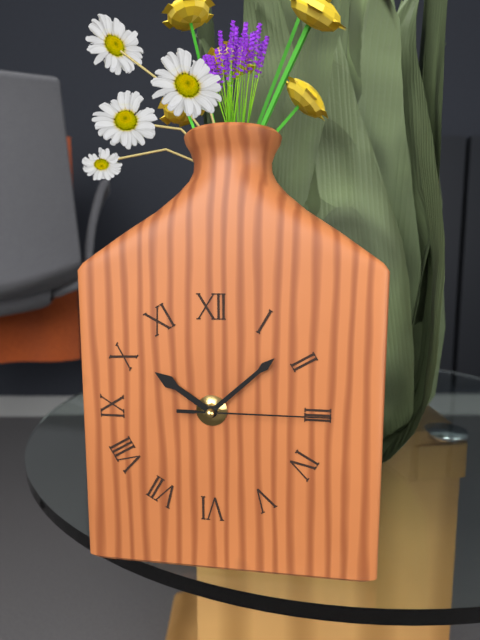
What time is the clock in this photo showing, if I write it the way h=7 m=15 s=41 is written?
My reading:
h=10 m=8 s=15
